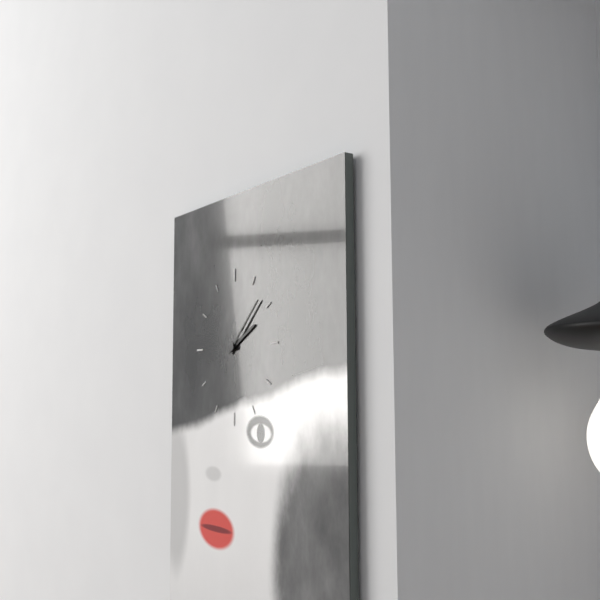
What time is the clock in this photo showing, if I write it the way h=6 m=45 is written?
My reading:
h=2 m=8
